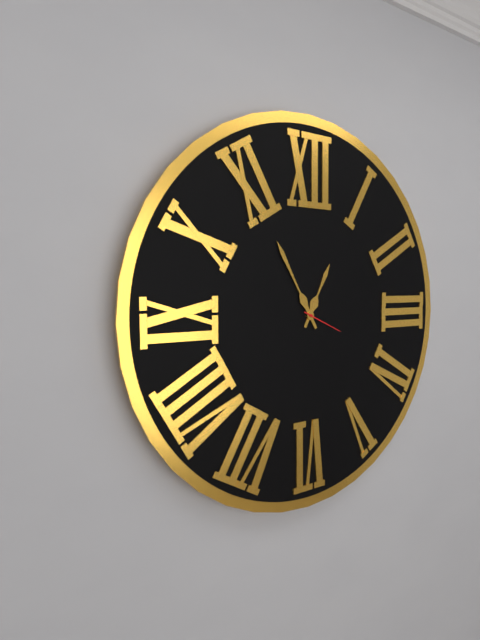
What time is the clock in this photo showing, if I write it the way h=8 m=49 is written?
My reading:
h=12 m=55
